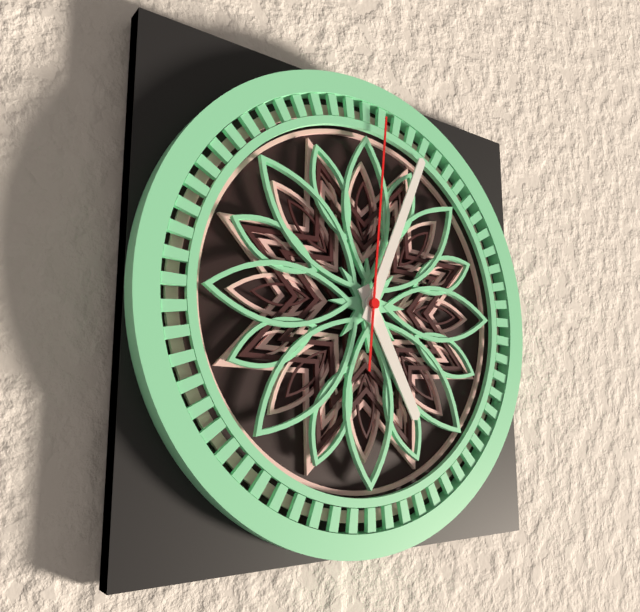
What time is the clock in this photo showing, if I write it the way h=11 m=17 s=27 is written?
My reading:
h=5 m=4 s=1
